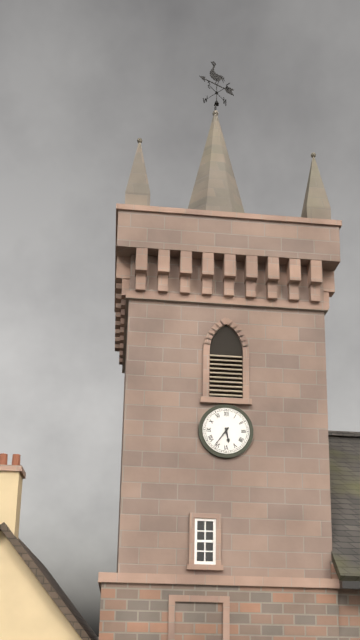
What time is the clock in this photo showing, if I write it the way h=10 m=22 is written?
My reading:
h=5 m=36
